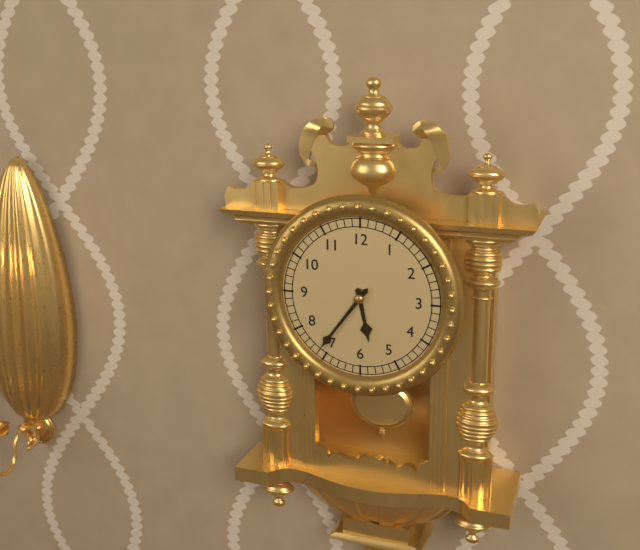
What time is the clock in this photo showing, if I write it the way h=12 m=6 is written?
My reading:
h=5 m=36
